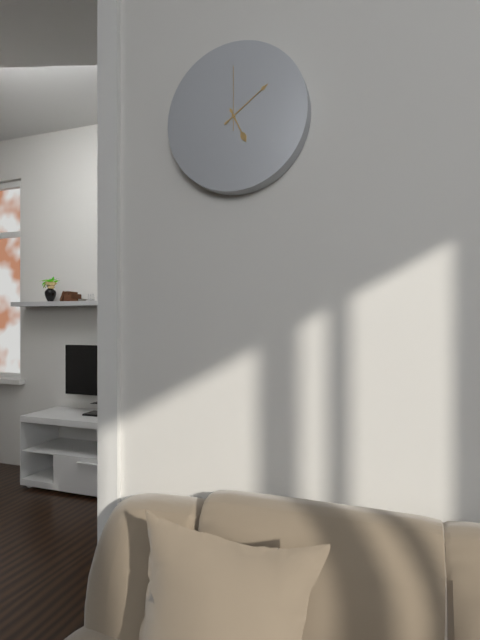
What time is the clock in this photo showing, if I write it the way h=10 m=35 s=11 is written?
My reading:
h=5 m=9 s=0
